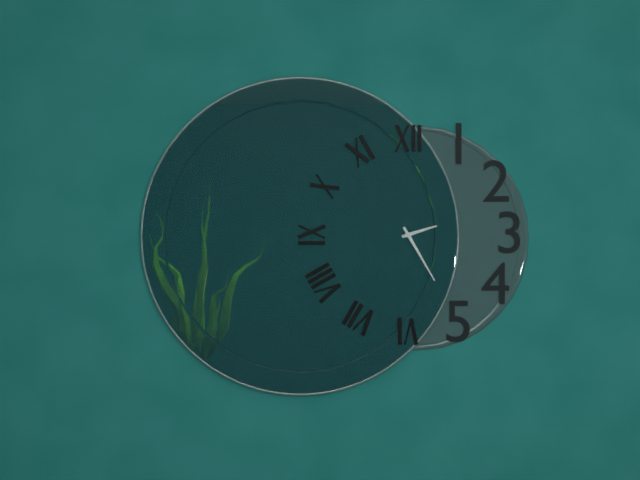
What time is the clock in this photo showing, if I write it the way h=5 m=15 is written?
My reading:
h=2 m=25
